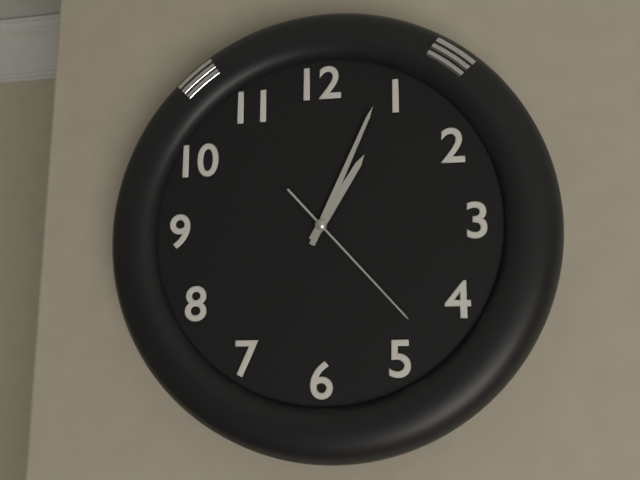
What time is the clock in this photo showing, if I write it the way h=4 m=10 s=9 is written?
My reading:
h=1 m=4 s=23
